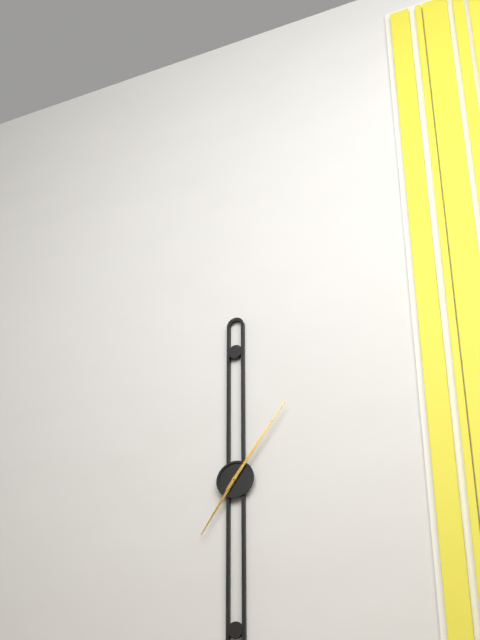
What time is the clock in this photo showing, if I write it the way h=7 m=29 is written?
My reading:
h=7 m=6
